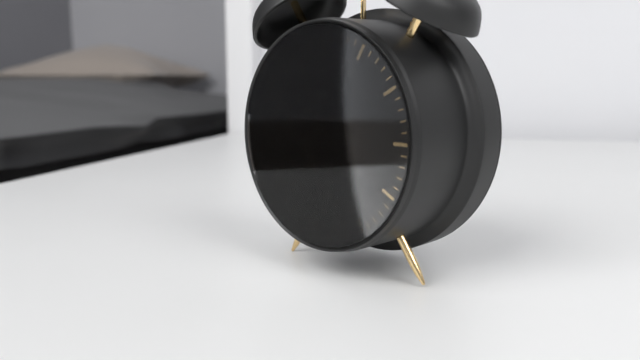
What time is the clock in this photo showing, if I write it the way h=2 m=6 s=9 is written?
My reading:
h=11 m=26 s=36
